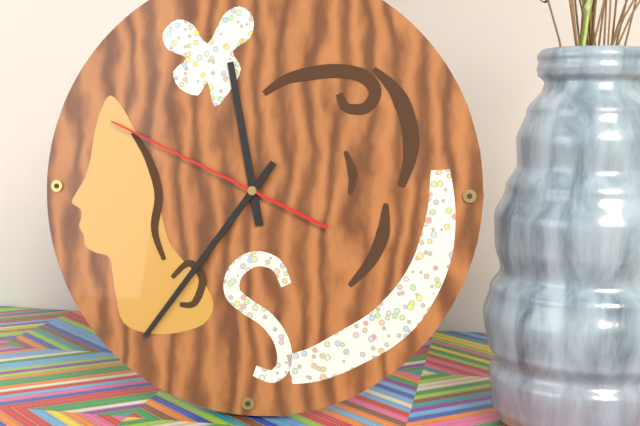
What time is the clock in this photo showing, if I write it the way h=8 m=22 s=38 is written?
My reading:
h=11 m=36 s=49
